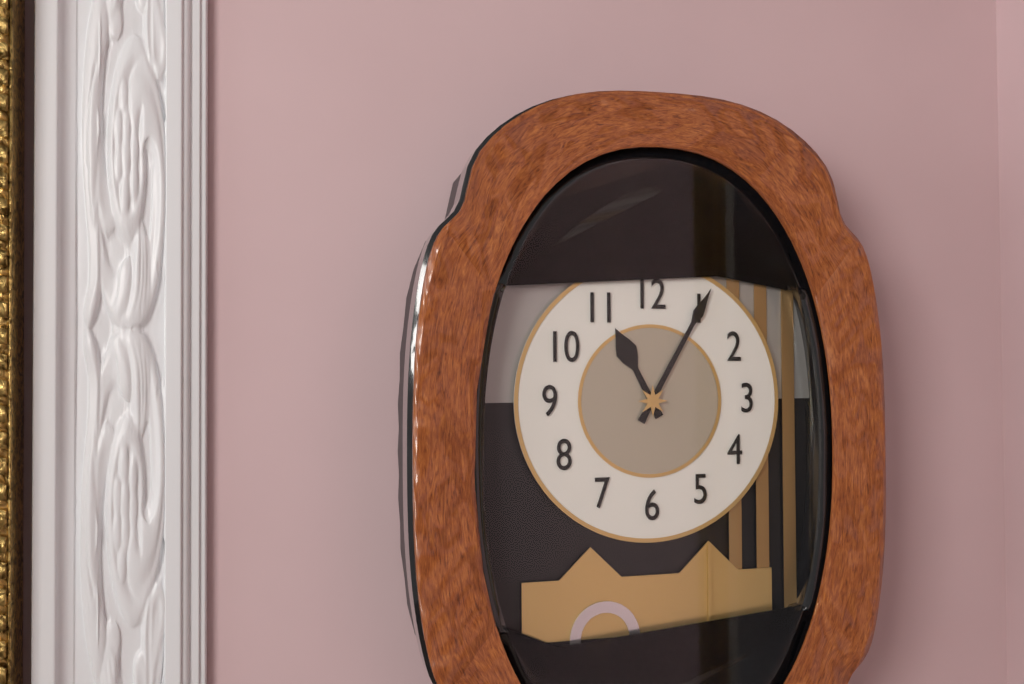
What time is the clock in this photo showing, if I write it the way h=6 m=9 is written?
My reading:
h=11 m=5
